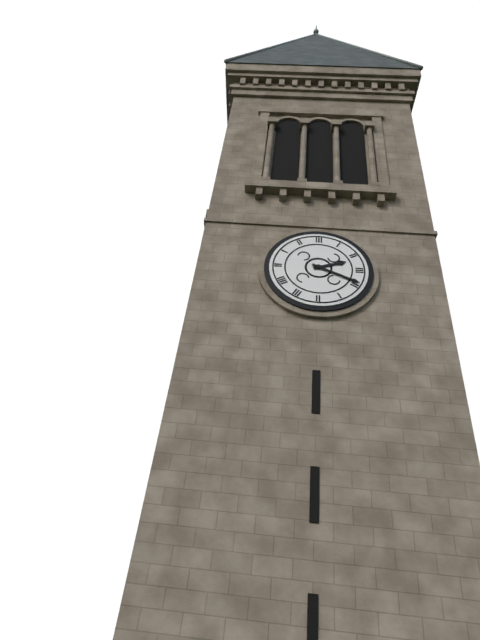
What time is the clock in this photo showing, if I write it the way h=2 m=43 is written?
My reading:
h=2 m=19
